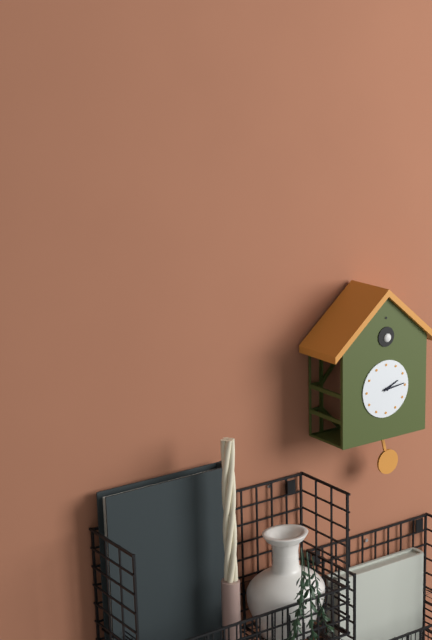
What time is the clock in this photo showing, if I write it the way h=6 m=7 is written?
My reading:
h=2 m=14
